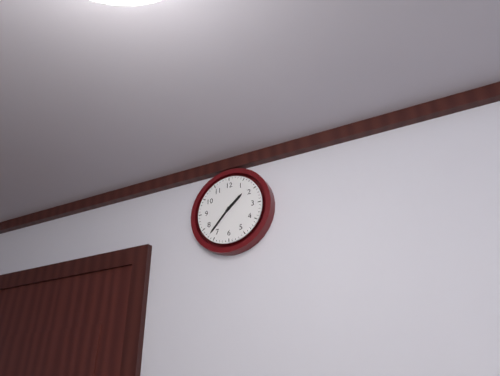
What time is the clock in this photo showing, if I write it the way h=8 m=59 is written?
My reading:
h=1 m=37
